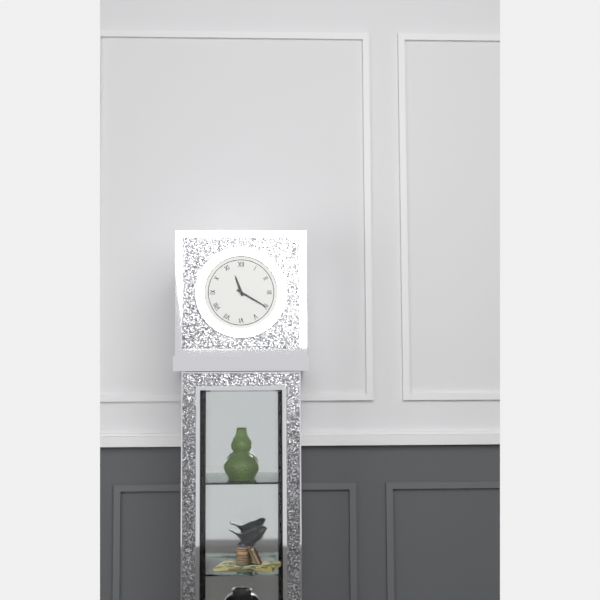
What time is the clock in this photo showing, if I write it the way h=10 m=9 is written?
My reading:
h=11 m=20
